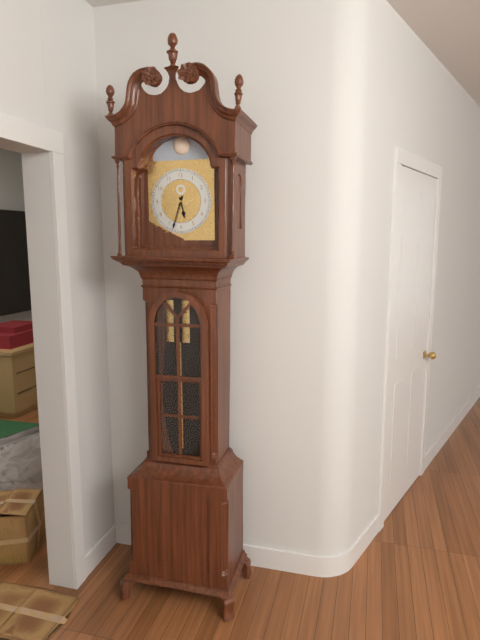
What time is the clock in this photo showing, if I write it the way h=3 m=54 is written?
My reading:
h=5 m=33
